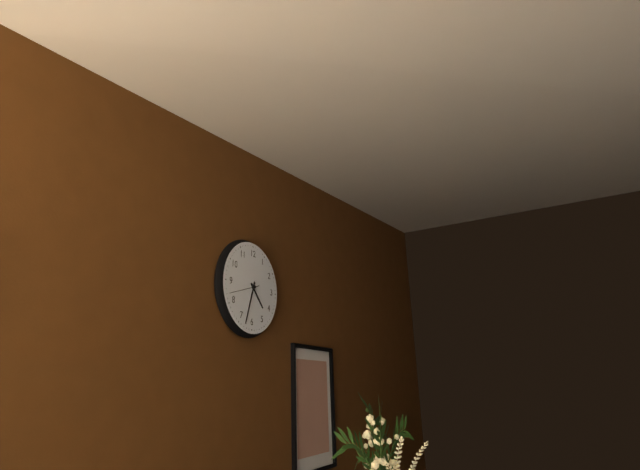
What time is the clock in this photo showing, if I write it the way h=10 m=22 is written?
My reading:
h=4 m=33
